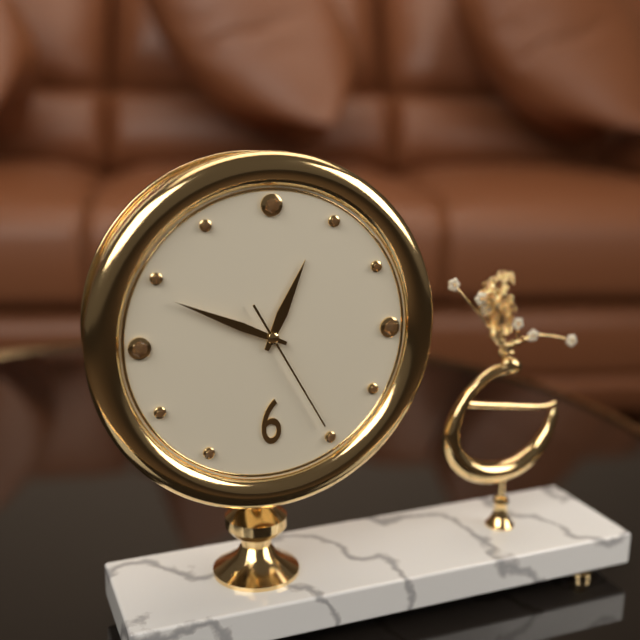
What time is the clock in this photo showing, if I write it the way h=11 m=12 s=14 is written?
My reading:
h=12 m=49 s=25
